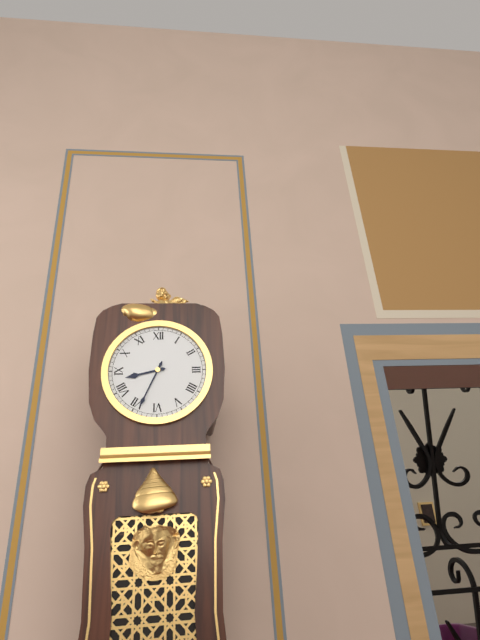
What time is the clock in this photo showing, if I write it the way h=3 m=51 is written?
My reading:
h=8 m=34
